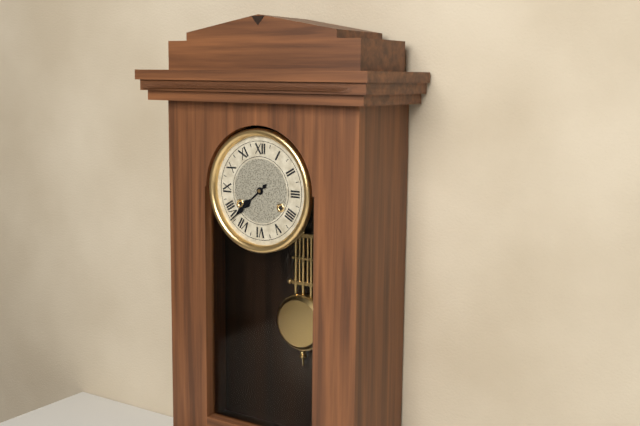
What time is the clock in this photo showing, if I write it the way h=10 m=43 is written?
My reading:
h=7 m=38
